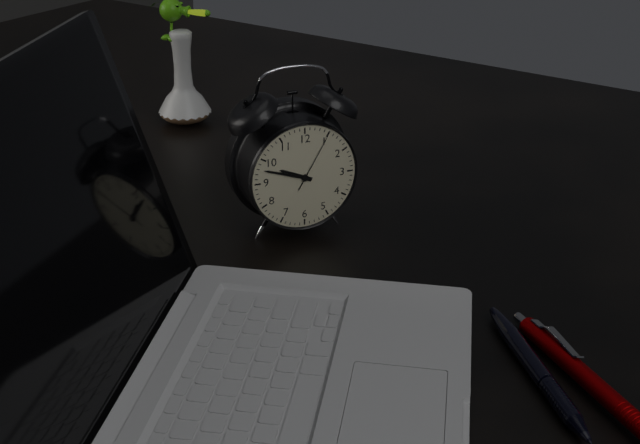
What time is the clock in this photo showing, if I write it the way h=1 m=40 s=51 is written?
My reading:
h=9 m=48 s=5
